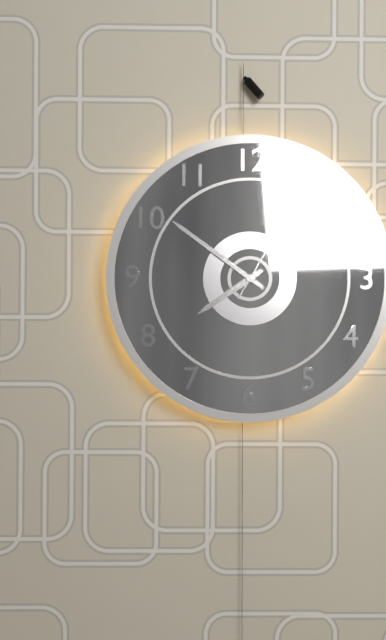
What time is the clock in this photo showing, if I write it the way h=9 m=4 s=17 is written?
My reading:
h=7 m=51 s=5
